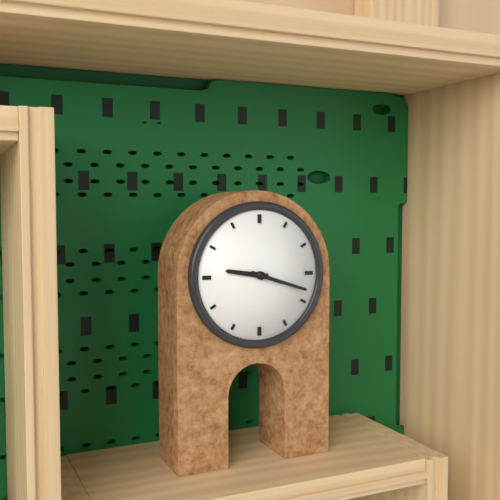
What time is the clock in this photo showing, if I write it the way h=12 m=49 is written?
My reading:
h=9 m=18
